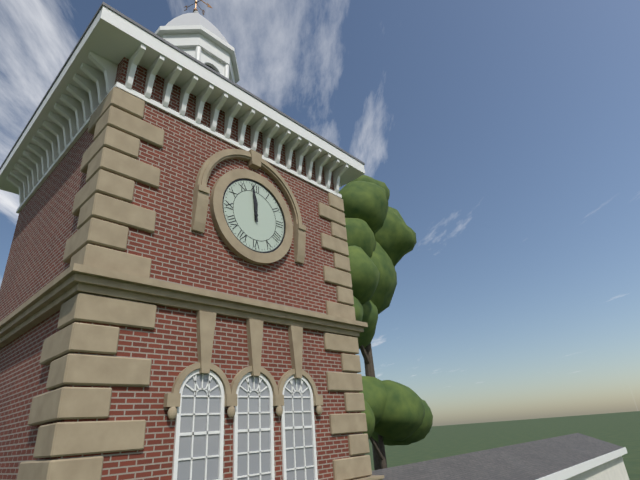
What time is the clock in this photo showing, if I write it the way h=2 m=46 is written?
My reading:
h=11 m=59
